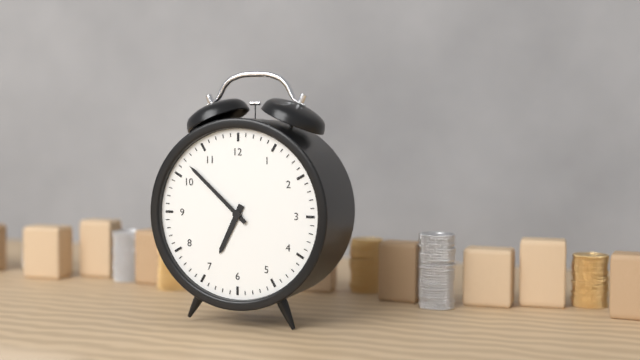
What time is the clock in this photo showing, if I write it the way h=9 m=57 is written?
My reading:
h=6 m=52
